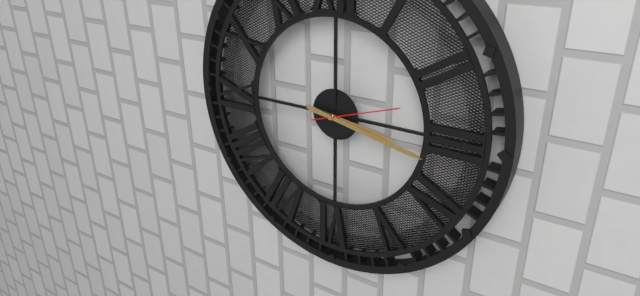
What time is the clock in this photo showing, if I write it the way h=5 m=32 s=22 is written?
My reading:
h=3 m=17 s=12
